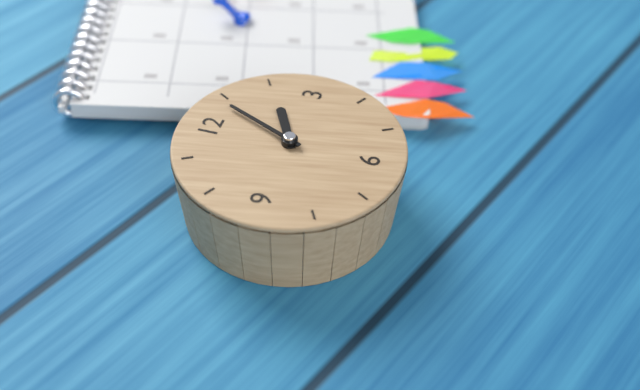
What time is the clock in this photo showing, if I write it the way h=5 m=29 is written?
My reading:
h=2 m=4
